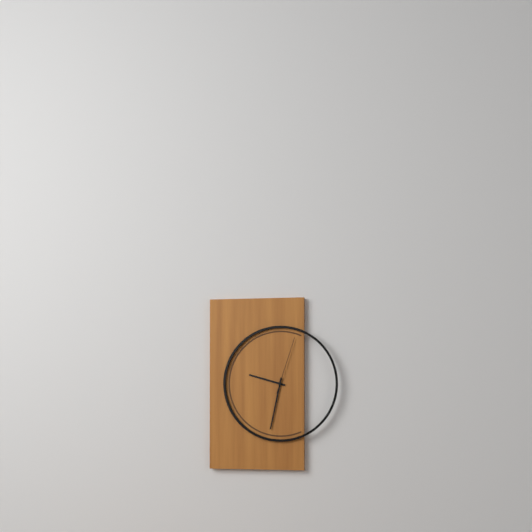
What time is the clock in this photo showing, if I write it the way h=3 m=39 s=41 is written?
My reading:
h=9 m=32 s=3
